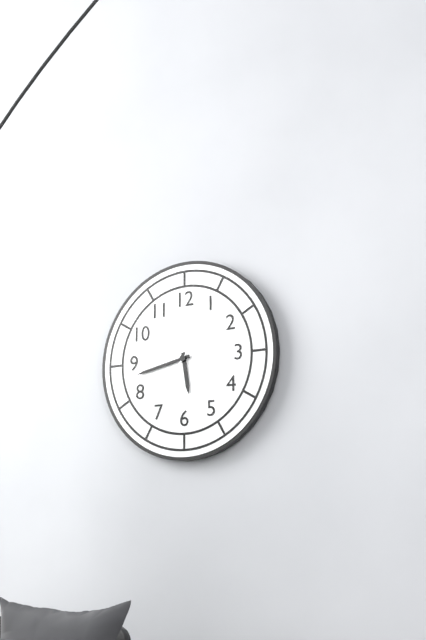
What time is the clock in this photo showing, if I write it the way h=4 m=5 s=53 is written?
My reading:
h=5 m=43 s=37
